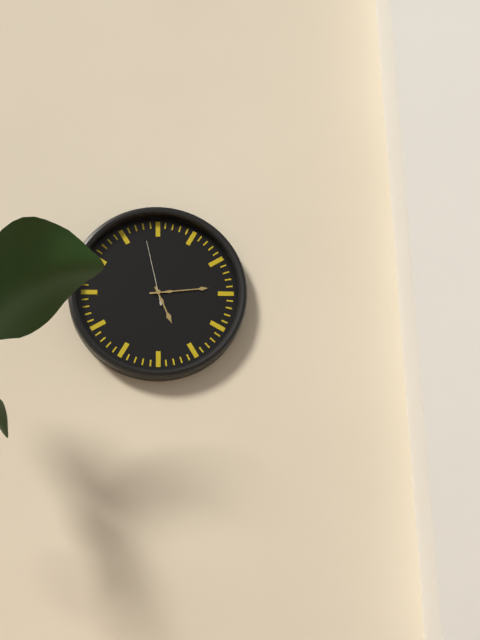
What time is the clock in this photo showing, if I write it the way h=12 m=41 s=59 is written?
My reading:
h=5 m=14 s=58
